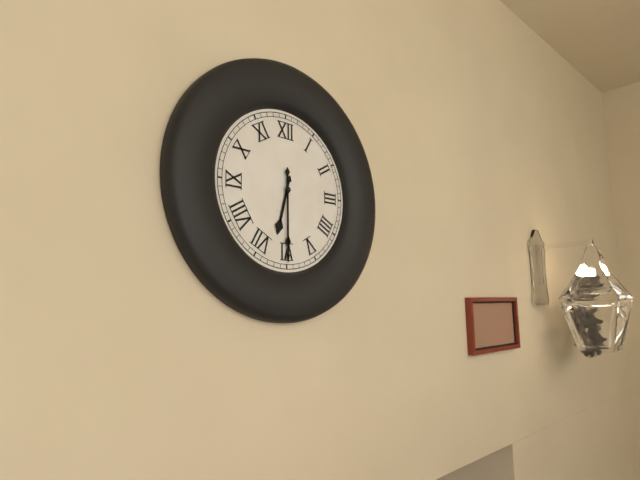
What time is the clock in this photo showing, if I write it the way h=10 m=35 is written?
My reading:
h=6 m=30
